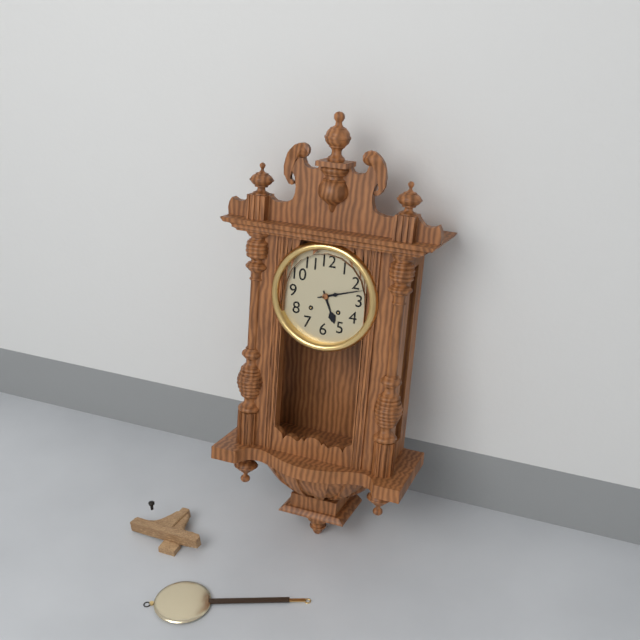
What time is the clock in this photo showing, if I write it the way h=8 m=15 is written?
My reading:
h=5 m=12
